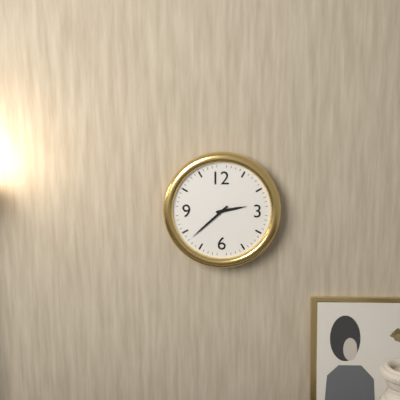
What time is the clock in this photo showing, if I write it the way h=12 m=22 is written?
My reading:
h=2 m=38
